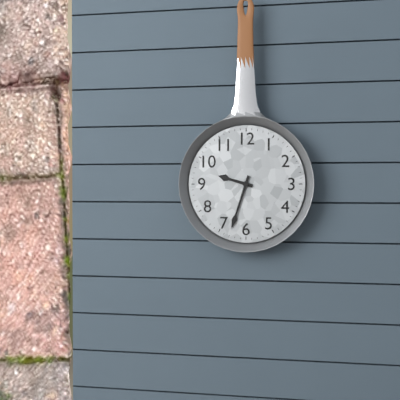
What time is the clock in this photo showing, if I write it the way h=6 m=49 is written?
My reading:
h=9 m=33
